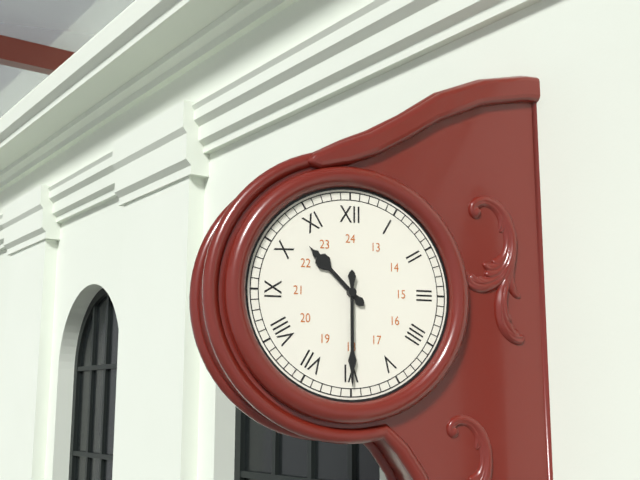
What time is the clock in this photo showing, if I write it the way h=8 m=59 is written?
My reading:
h=10 m=30
